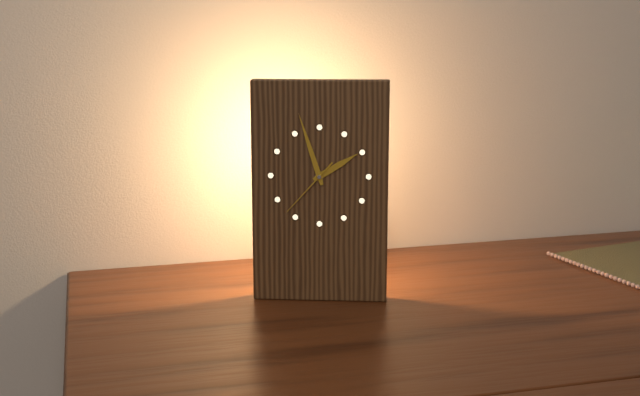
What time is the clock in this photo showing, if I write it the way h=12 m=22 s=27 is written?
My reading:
h=1 m=57 s=37
